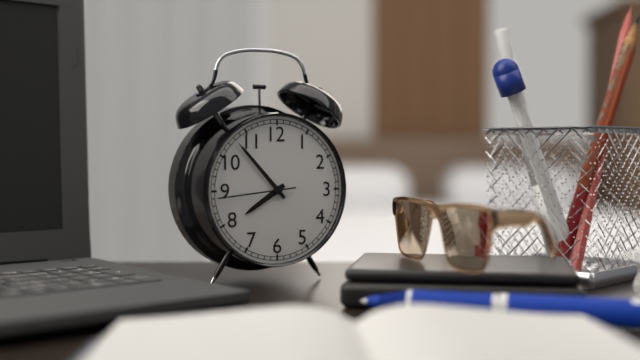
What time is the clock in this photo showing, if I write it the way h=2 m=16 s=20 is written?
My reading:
h=7 m=53 s=44
